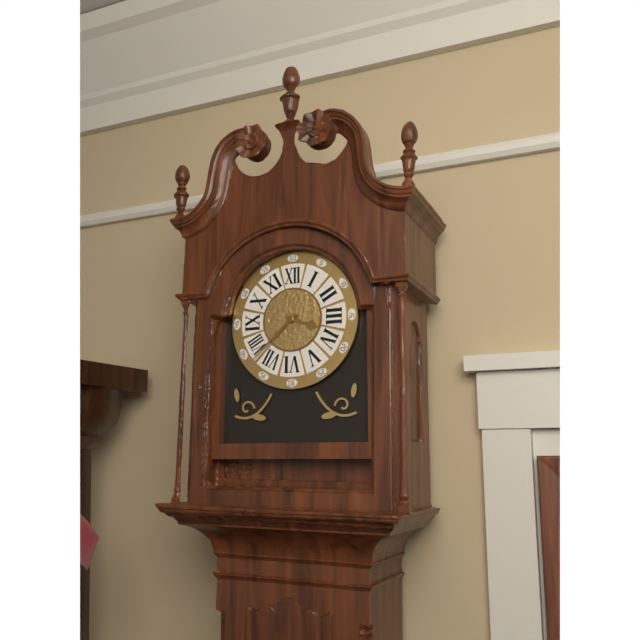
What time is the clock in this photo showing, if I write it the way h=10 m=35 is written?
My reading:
h=3 m=38
